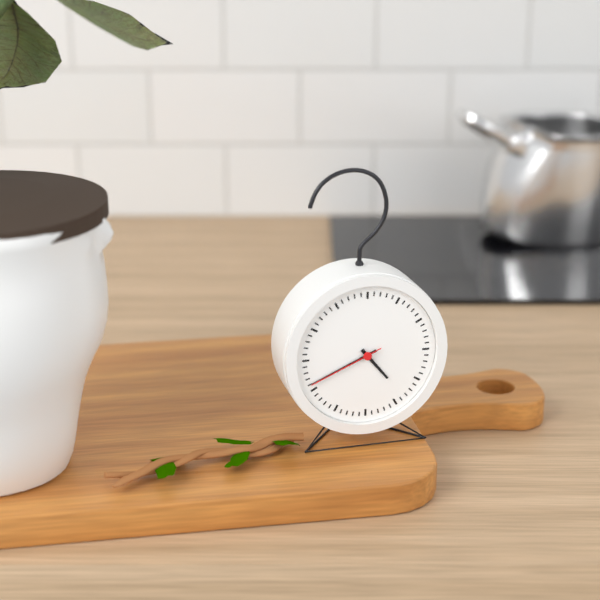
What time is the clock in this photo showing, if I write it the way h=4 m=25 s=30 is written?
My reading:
h=4 m=41 s=41
